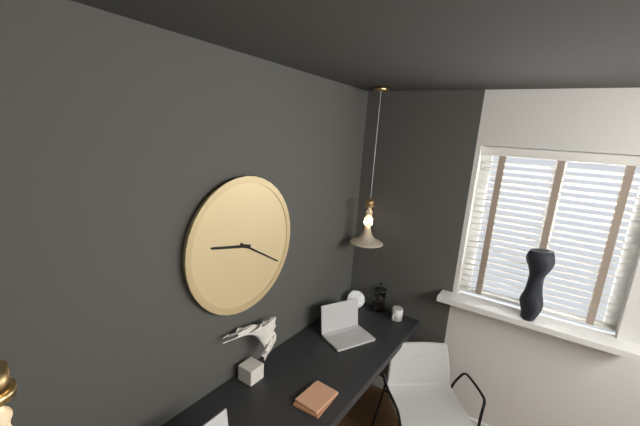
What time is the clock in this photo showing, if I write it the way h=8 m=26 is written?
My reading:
h=9 m=20
